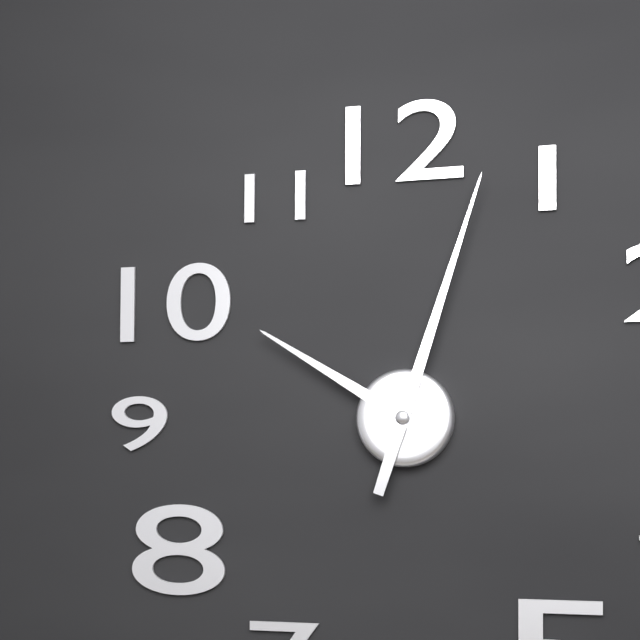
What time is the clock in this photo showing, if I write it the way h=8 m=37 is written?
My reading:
h=10 m=3
